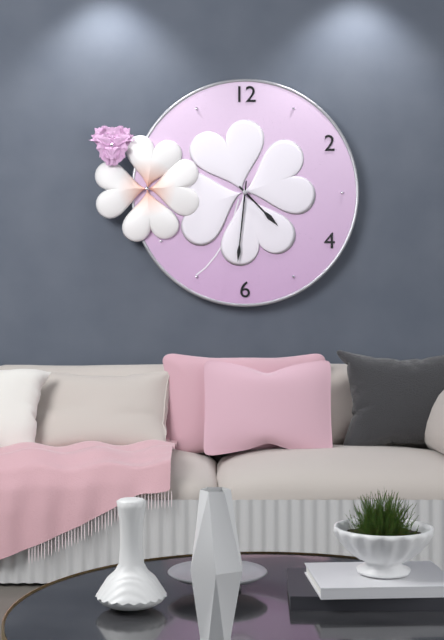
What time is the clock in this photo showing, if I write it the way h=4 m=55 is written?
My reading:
h=4 m=31
